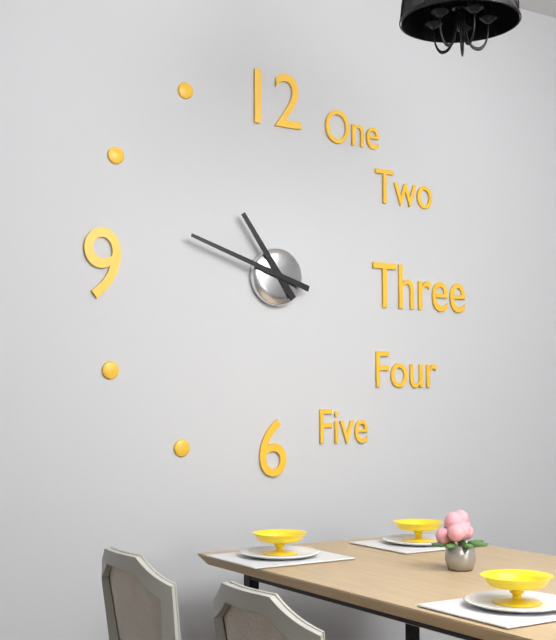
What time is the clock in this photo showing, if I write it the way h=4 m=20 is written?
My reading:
h=10 m=48
